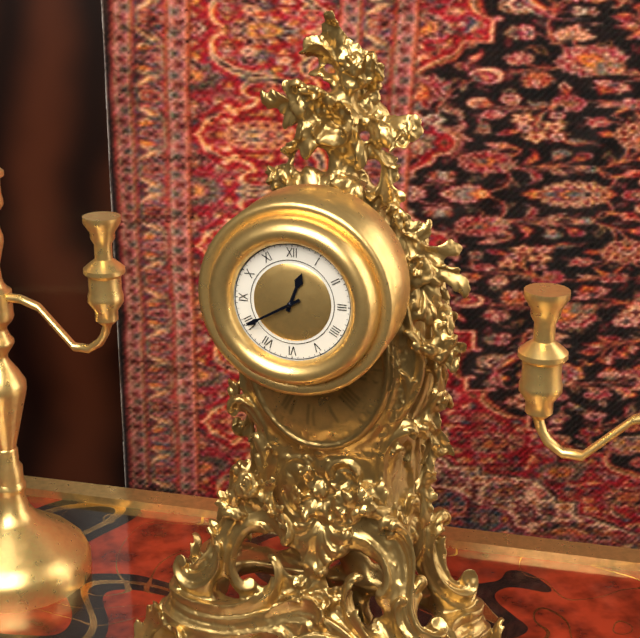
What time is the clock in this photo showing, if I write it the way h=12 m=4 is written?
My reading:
h=12 m=40
